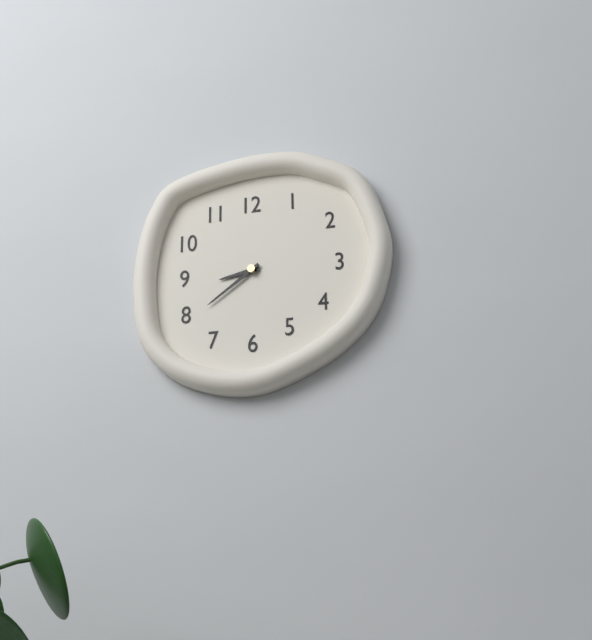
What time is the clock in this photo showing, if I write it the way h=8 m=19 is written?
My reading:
h=8 m=39
